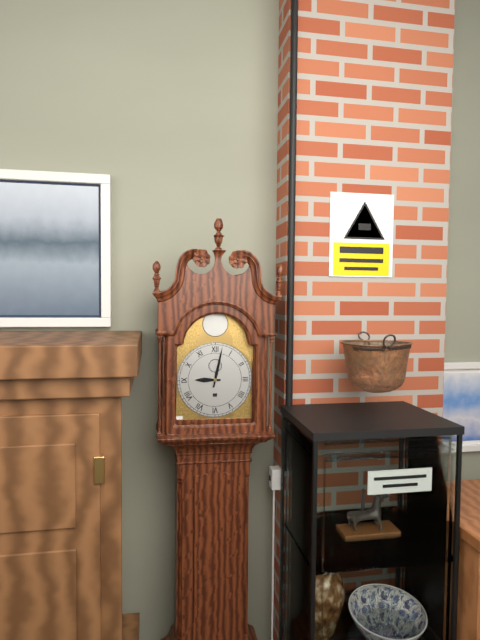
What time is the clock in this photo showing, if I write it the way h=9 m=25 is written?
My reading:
h=9 m=2
